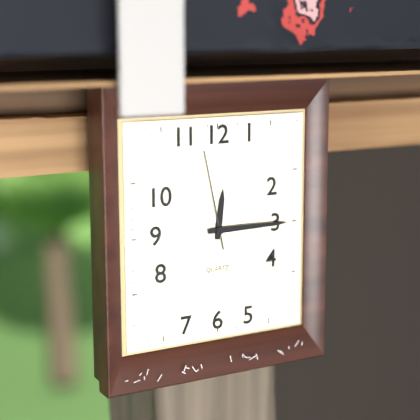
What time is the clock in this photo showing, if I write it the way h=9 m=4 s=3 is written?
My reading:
h=12 m=15 s=58
